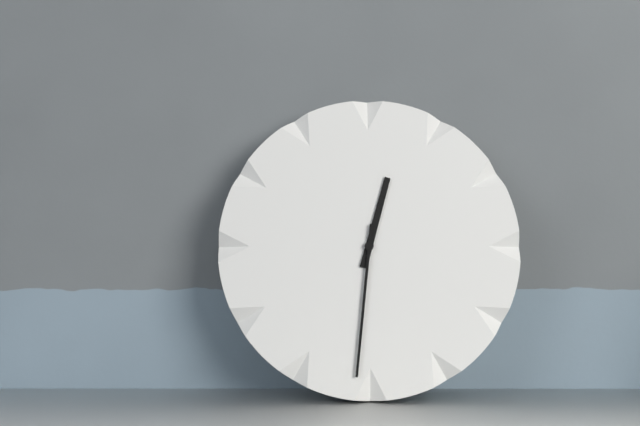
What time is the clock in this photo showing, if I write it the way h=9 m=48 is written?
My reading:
h=12 m=31
